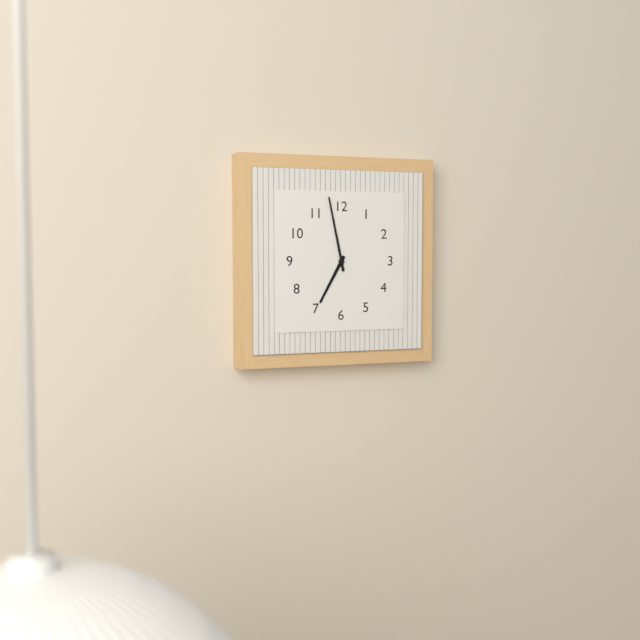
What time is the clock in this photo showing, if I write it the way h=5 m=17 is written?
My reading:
h=6 m=58
